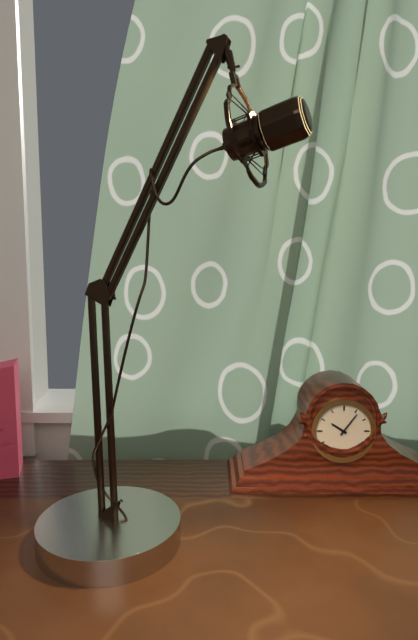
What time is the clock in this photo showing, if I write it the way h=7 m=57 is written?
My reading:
h=10 m=6
